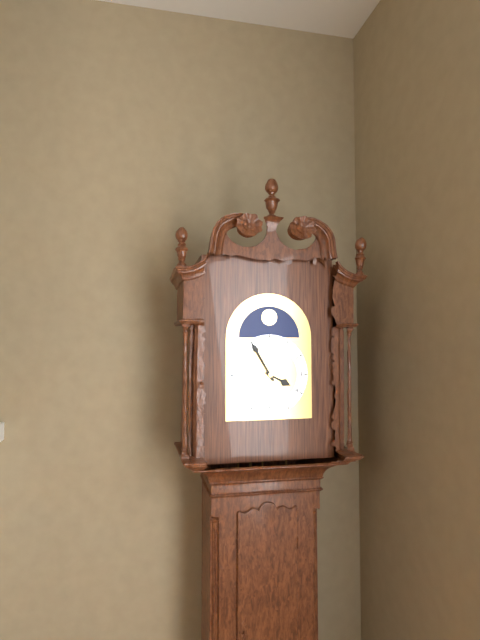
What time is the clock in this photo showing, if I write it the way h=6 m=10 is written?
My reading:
h=3 m=55
